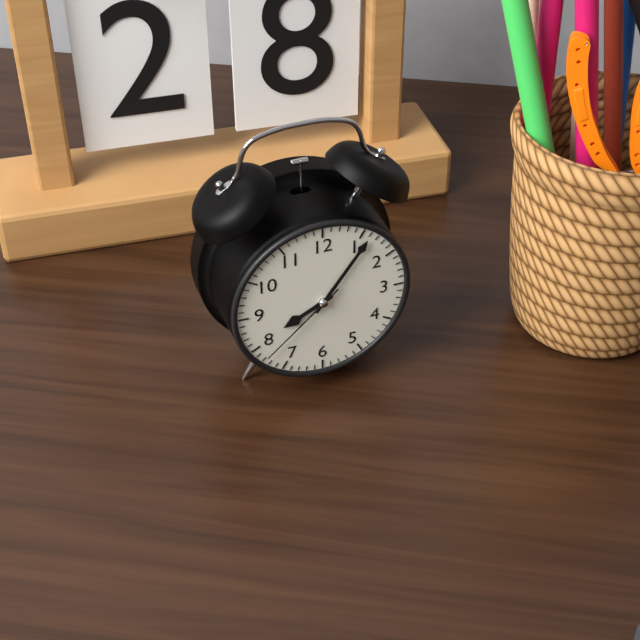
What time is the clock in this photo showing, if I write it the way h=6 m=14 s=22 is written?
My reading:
h=8 m=6 s=38
